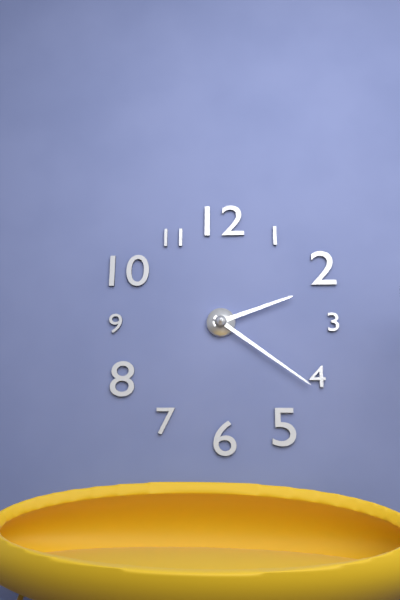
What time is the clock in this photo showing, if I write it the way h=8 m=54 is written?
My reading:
h=2 m=21
